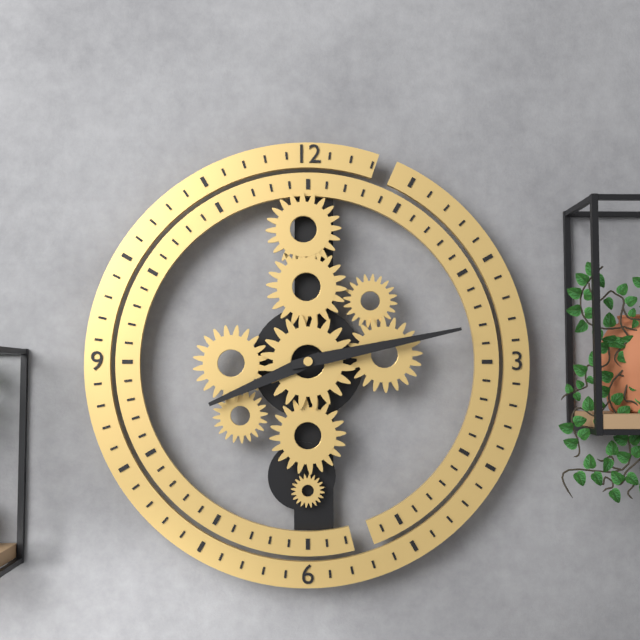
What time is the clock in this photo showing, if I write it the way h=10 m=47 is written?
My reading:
h=8 m=13
